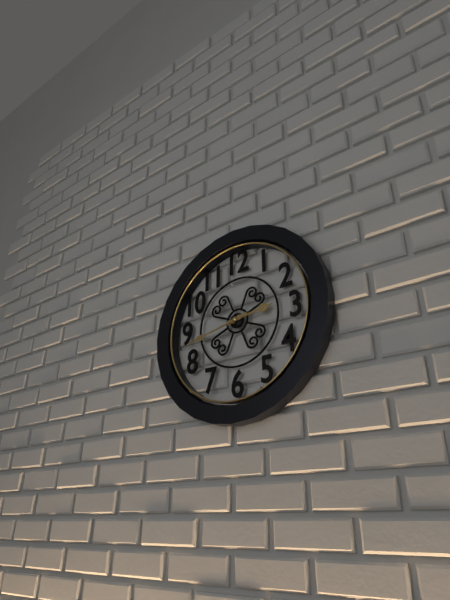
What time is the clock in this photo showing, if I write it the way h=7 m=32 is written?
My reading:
h=2 m=43
